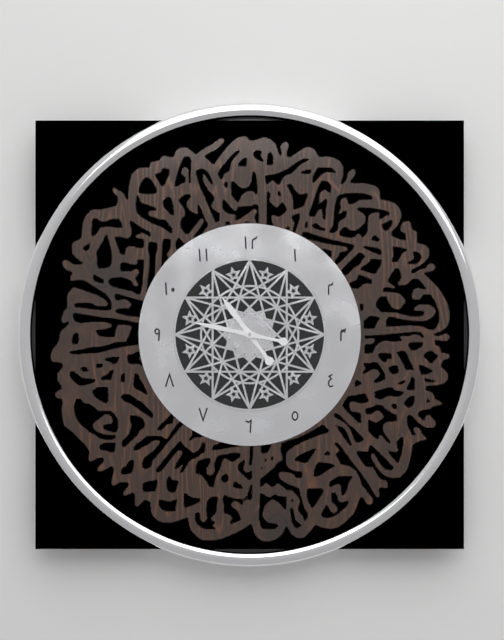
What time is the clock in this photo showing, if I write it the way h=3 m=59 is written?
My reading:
h=10 m=47
